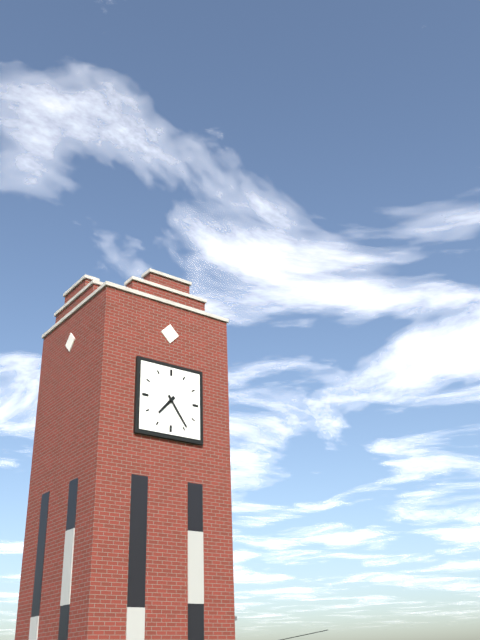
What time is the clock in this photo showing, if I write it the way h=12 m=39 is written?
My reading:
h=7 m=24
